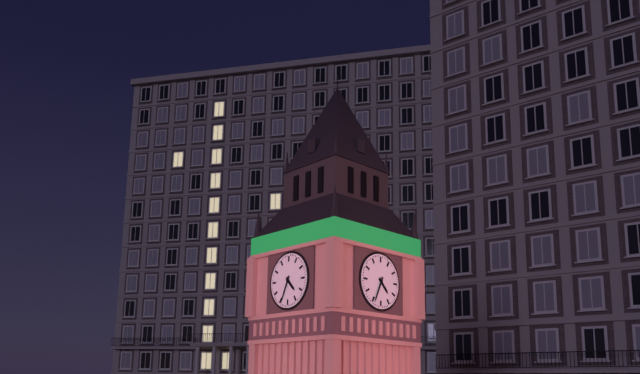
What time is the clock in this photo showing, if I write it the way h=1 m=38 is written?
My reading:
h=4 m=34
